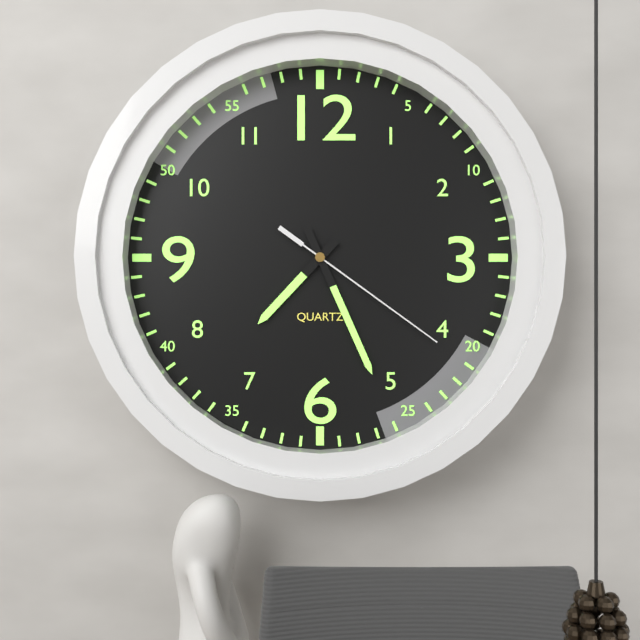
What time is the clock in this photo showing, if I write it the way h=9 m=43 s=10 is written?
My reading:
h=7 m=26 s=21
